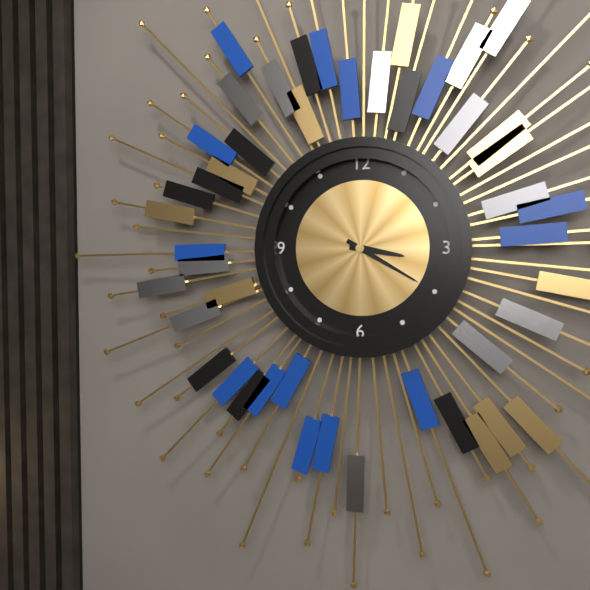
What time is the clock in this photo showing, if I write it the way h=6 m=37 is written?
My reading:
h=3 m=20
